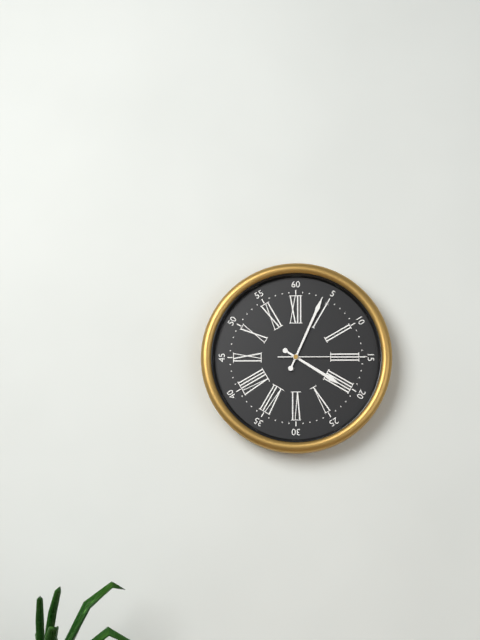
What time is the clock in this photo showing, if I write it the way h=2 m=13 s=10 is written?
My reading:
h=4 m=4 s=15
